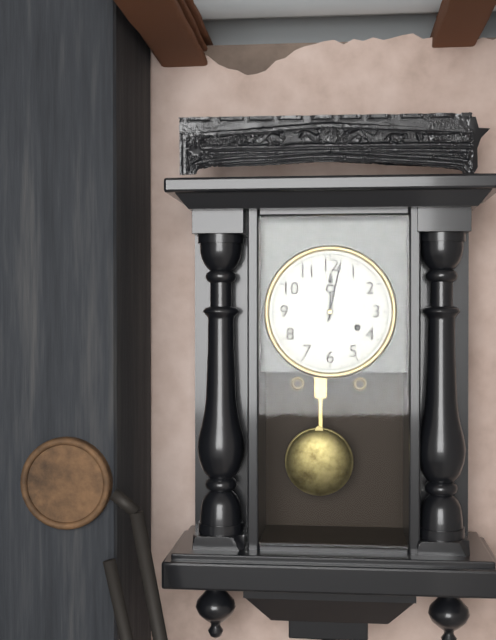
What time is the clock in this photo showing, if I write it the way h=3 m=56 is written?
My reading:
h=12 m=2
